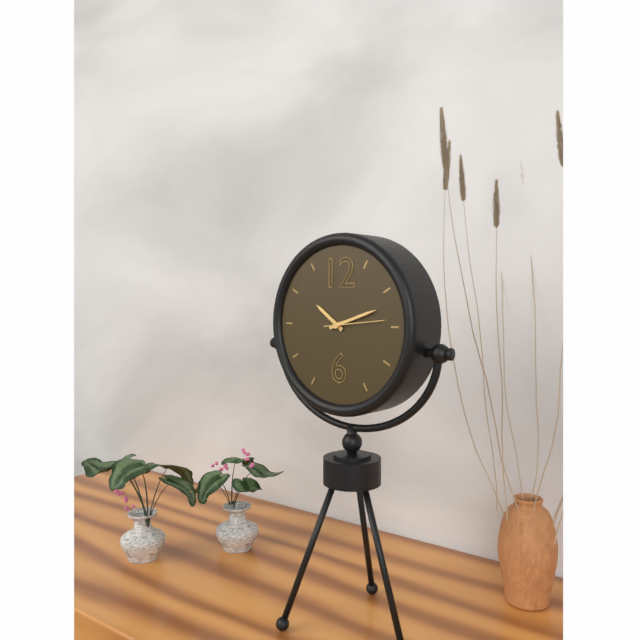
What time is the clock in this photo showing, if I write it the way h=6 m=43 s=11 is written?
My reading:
h=10 m=12 s=14
